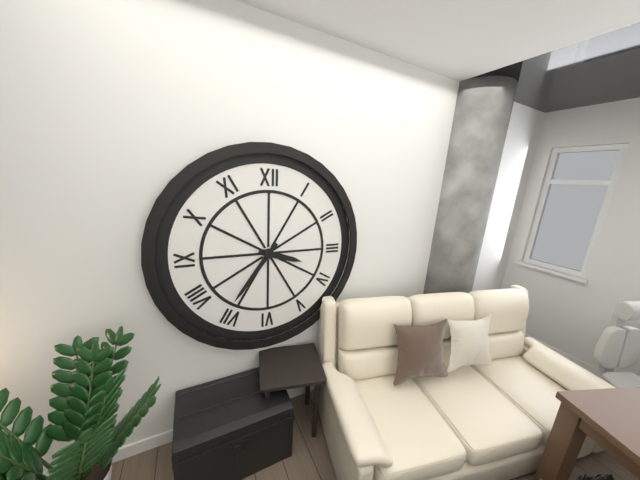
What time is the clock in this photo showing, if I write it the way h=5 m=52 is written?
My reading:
h=3 m=36
